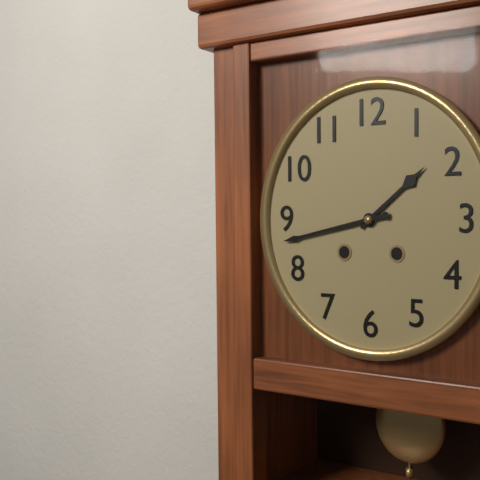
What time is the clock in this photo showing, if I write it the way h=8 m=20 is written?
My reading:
h=1 m=43
